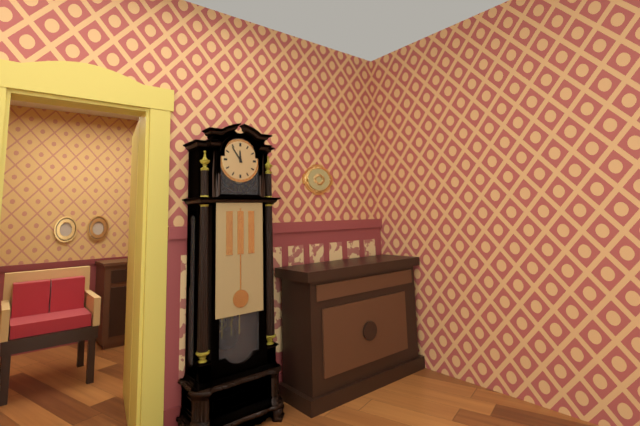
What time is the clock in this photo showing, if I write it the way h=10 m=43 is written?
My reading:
h=11 m=54
